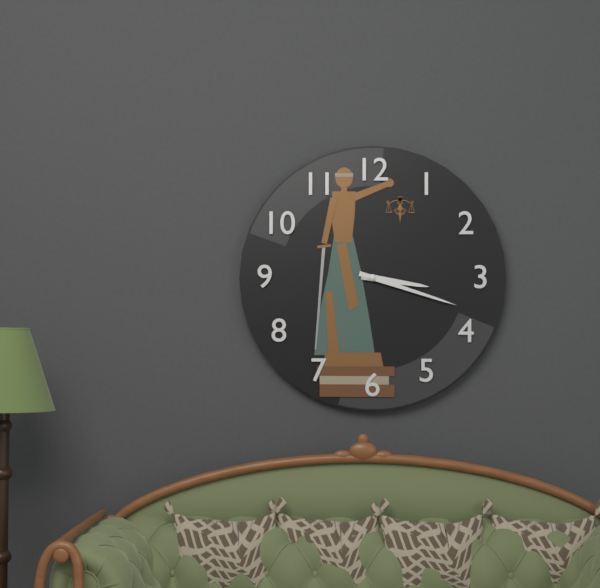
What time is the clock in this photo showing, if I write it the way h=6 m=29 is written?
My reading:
h=3 m=18
